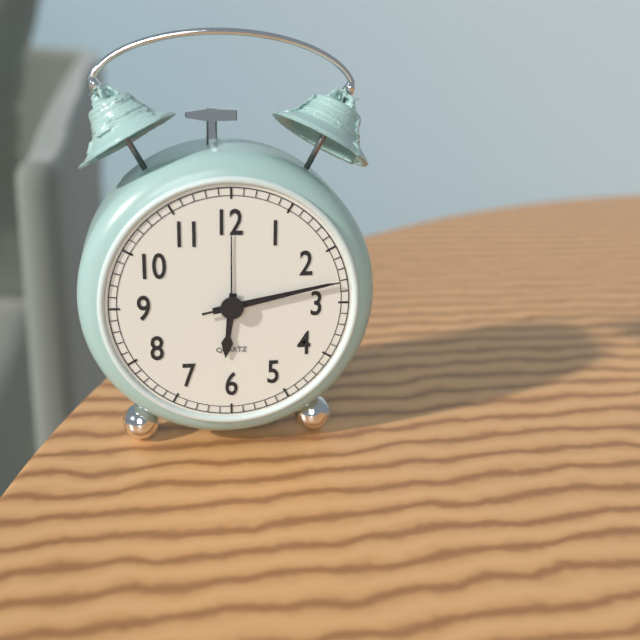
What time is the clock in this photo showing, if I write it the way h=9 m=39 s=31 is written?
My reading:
h=6 m=13 s=13
